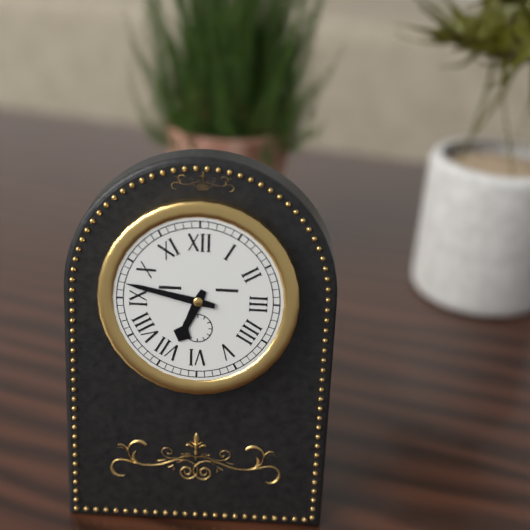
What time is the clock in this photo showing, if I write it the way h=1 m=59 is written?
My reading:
h=6 m=47
